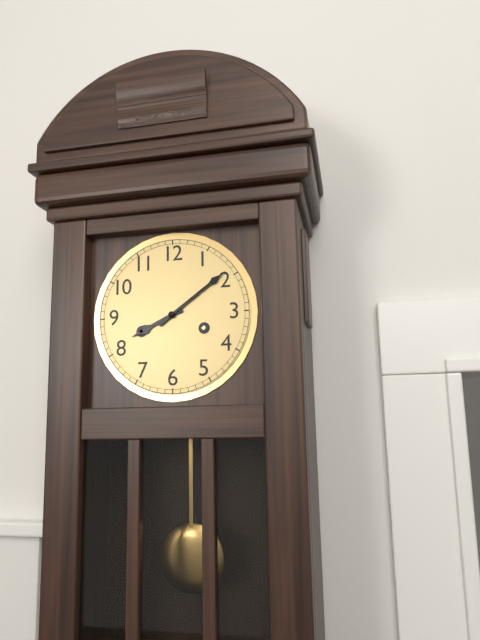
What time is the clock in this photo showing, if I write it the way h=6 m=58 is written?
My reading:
h=8 m=9
